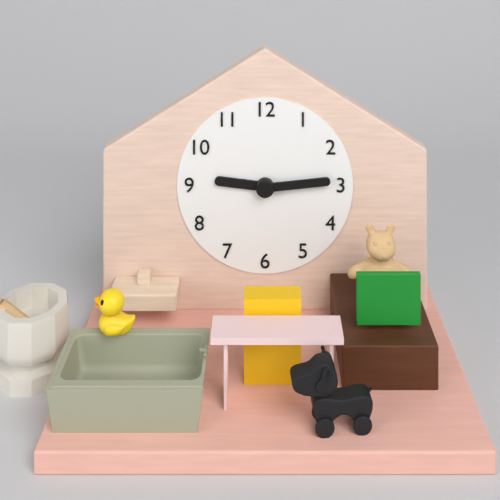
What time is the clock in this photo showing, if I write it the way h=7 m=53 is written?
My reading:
h=9 m=14
